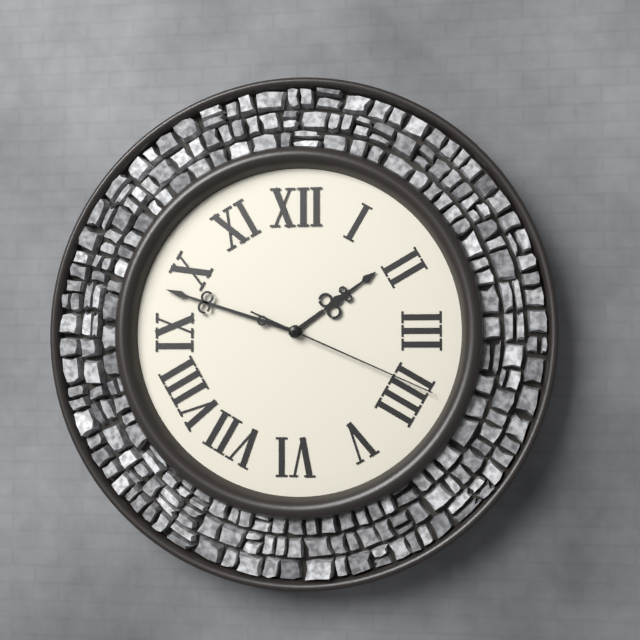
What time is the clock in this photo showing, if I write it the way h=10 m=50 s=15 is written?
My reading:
h=1 m=48 s=19
